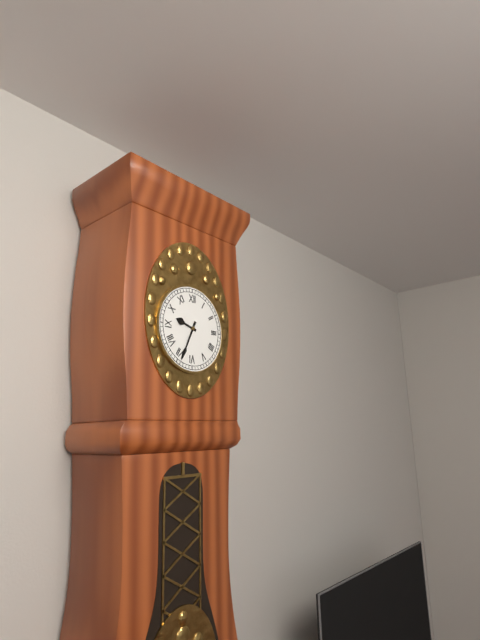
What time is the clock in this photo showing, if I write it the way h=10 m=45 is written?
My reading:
h=9 m=34
